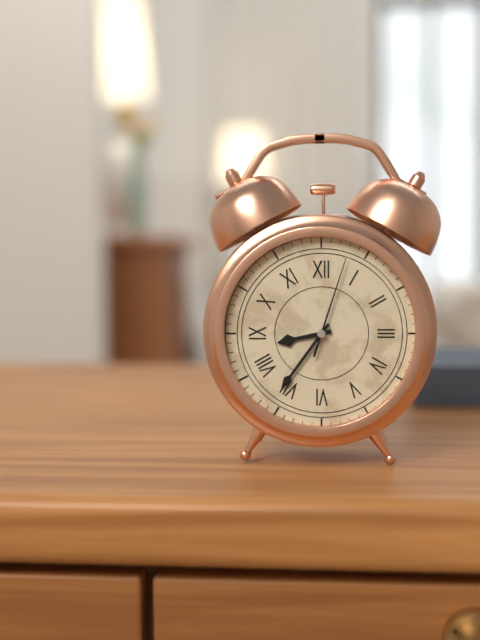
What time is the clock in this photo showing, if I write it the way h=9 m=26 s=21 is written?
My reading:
h=8 m=36 s=3
